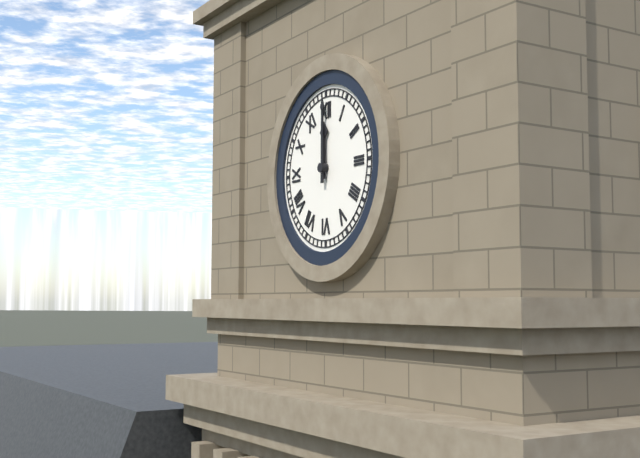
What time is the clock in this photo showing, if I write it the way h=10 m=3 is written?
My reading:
h=12 m=0
